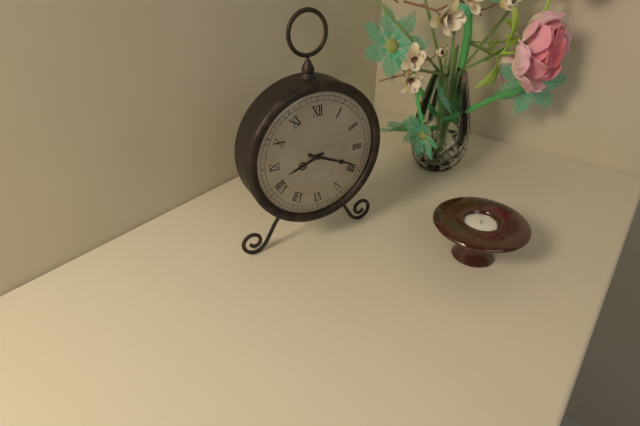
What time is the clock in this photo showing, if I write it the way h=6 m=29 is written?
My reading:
h=8 m=19
